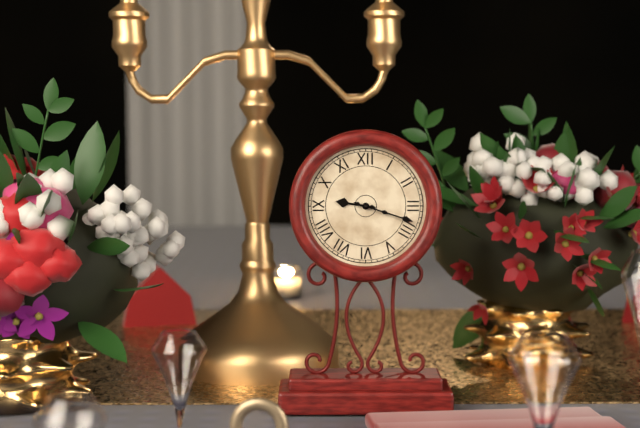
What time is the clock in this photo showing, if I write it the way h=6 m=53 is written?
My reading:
h=9 m=18
